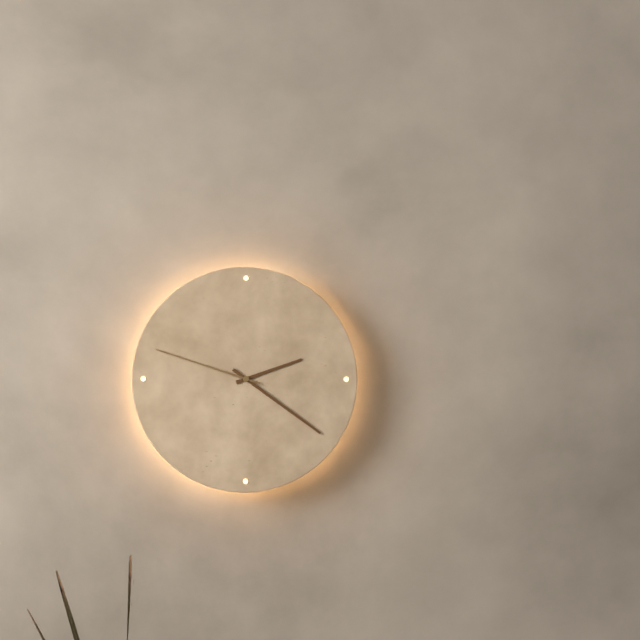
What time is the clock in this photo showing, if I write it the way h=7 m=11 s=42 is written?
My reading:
h=2 m=21 s=48
